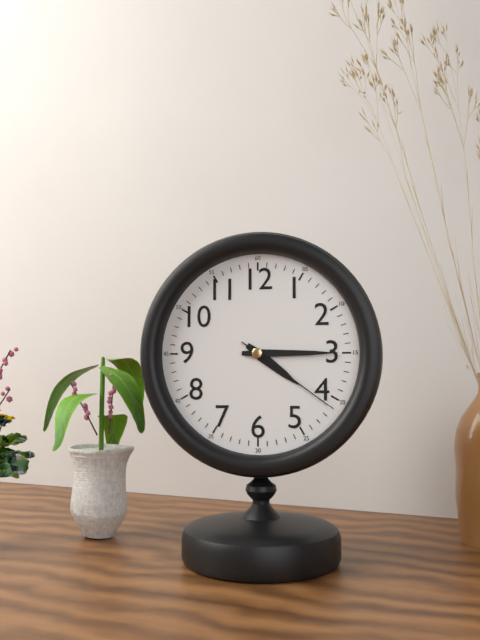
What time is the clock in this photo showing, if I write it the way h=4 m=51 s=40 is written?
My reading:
h=4 m=15 s=21
